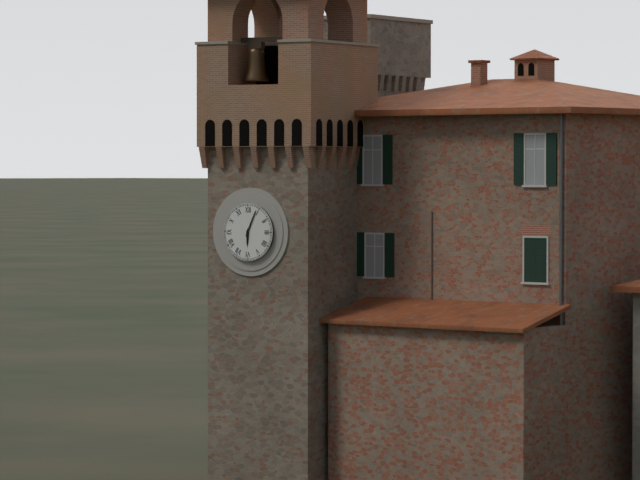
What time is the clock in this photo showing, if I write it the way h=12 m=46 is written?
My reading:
h=6 m=4
